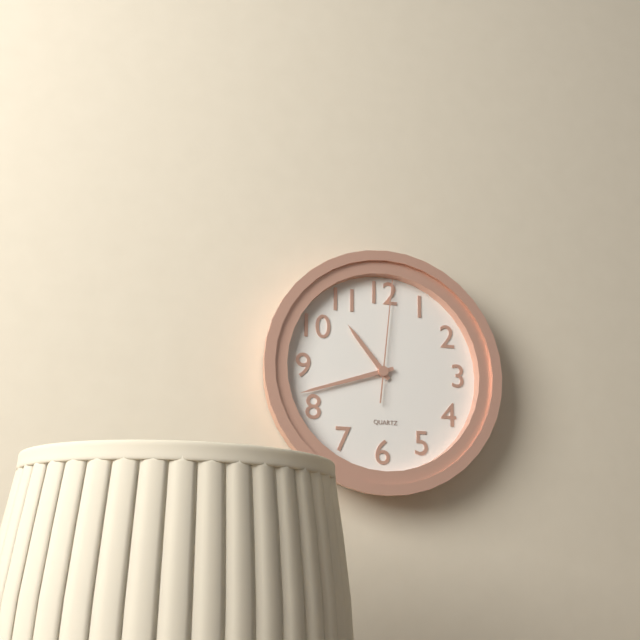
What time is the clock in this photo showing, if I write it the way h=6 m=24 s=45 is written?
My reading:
h=10 m=42 s=1
